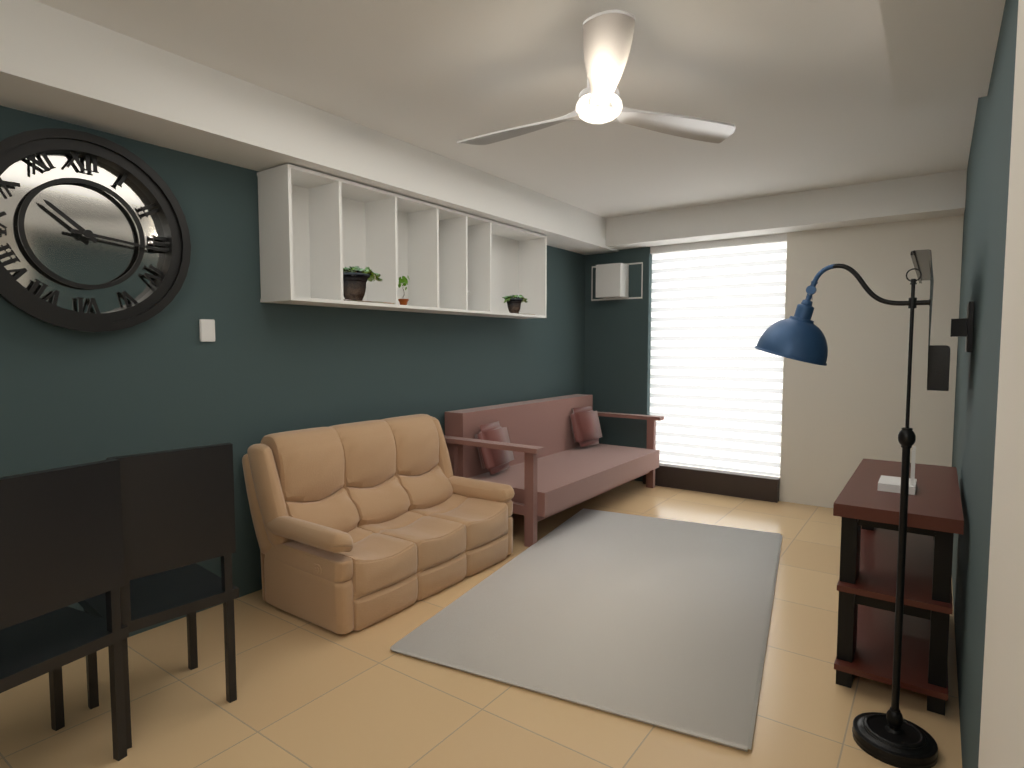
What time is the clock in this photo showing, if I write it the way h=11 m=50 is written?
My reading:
h=10 m=16
